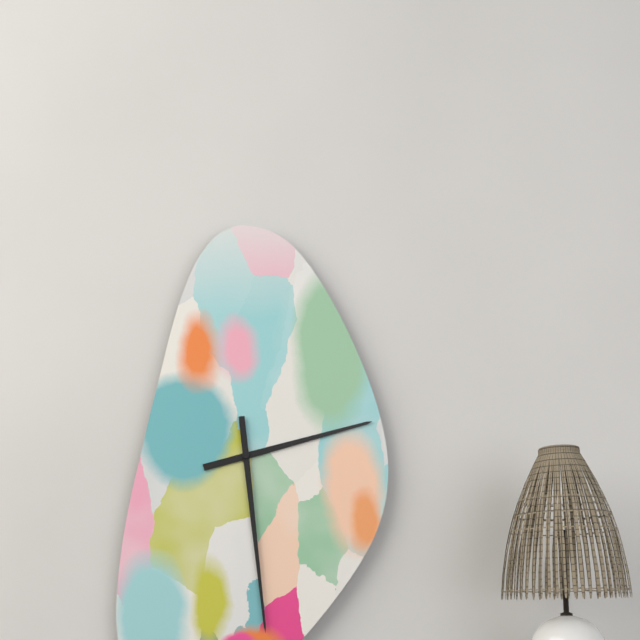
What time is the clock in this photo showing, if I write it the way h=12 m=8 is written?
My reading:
h=2 m=29
